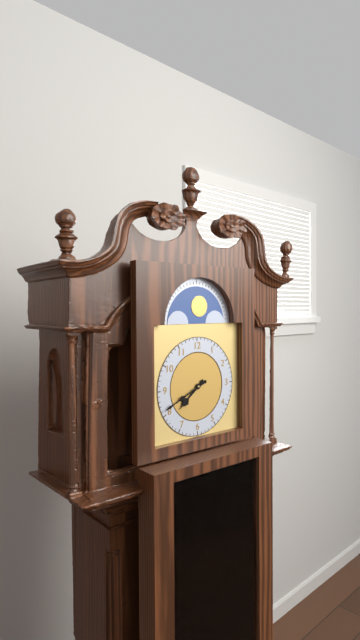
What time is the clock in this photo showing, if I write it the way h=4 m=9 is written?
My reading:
h=7 m=41
